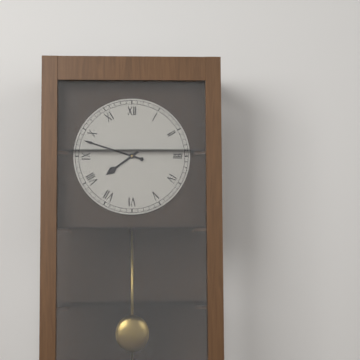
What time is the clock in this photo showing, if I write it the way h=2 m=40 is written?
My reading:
h=7 m=48
